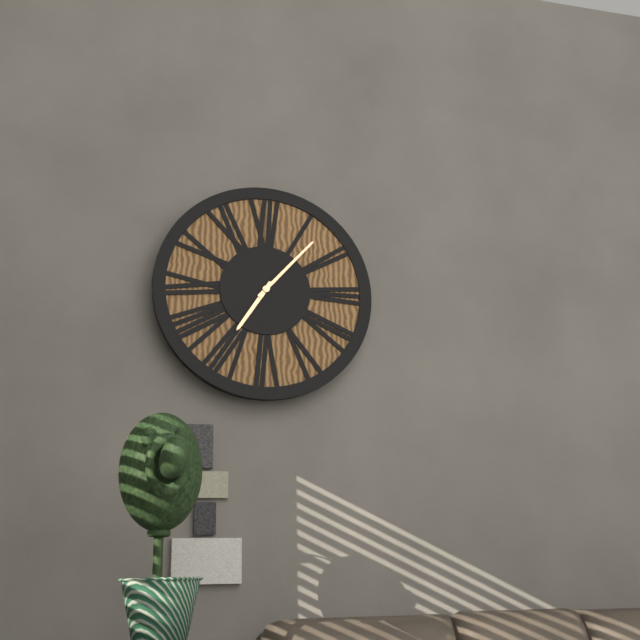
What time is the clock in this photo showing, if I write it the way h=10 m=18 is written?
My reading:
h=7 m=7
